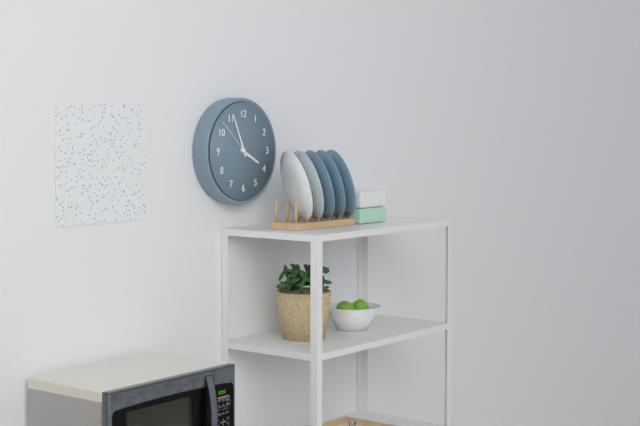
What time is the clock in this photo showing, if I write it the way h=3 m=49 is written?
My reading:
h=3 m=56
